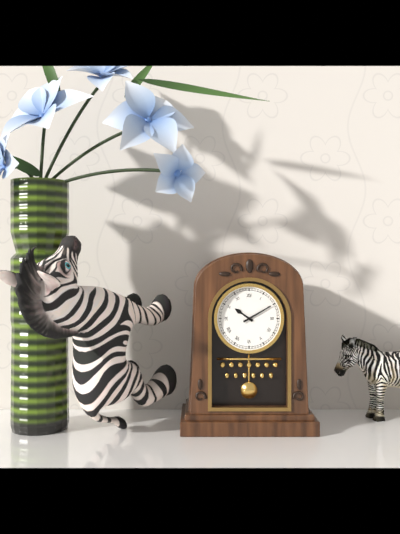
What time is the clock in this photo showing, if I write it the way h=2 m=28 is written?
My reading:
h=10 m=10
